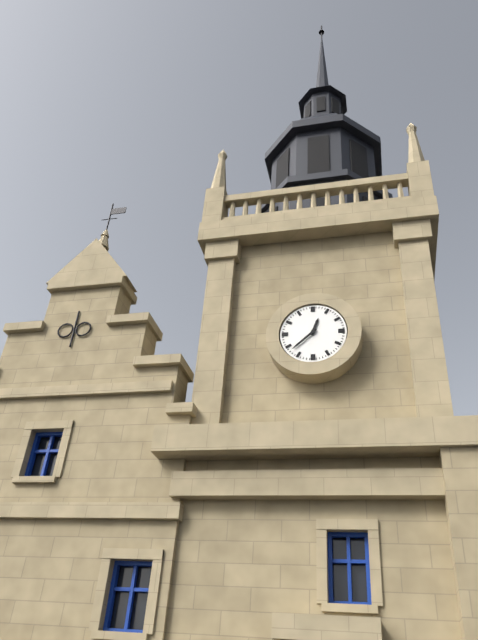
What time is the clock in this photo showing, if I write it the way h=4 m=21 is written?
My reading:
h=12 m=38
